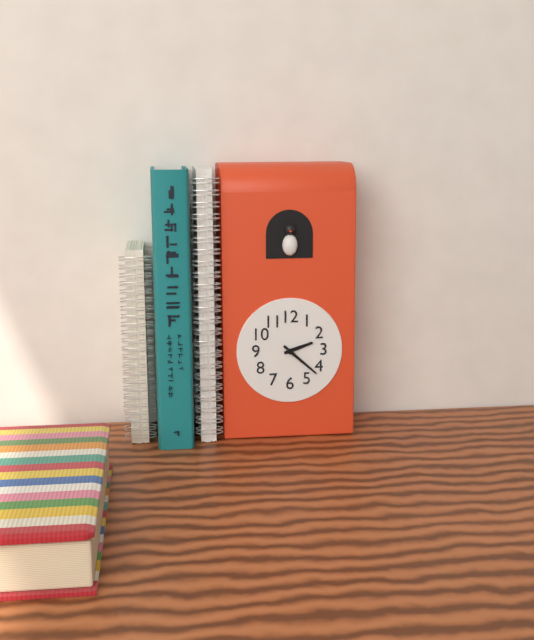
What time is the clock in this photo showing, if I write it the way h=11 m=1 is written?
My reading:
h=2 m=22
